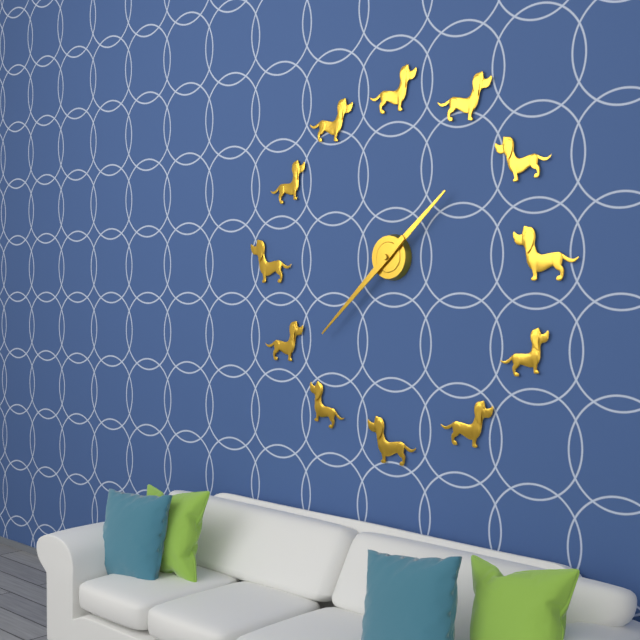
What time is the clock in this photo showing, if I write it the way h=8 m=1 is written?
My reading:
h=1 m=38
